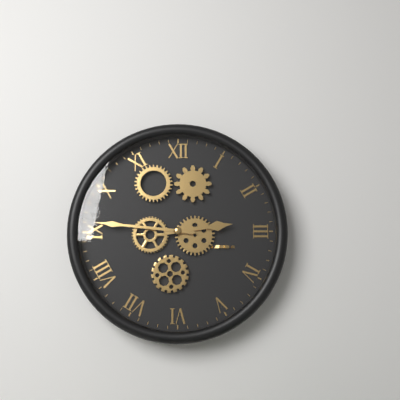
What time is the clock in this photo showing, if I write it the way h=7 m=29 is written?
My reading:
h=2 m=46
